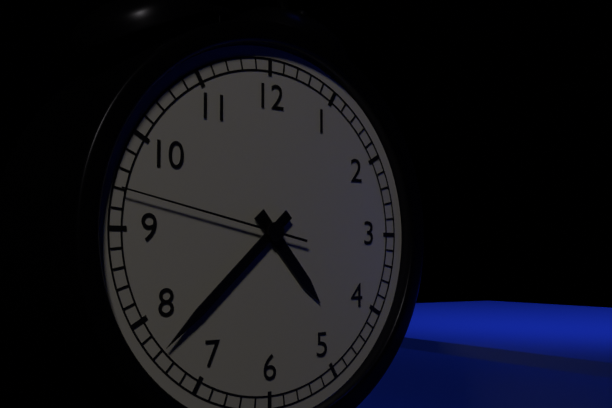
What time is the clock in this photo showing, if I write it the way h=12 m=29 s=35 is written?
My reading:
h=4 m=38 s=47
